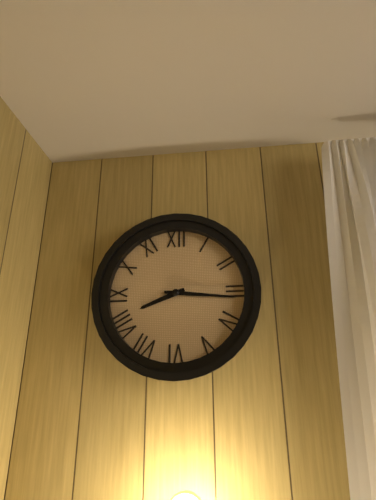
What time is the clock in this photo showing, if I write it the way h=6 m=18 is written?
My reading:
h=8 m=16
